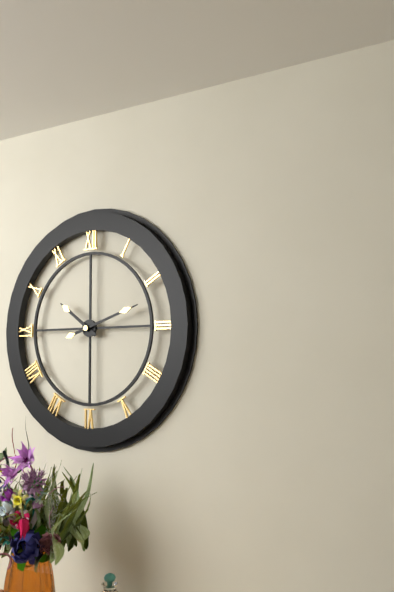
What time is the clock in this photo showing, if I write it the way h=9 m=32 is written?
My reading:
h=10 m=12
